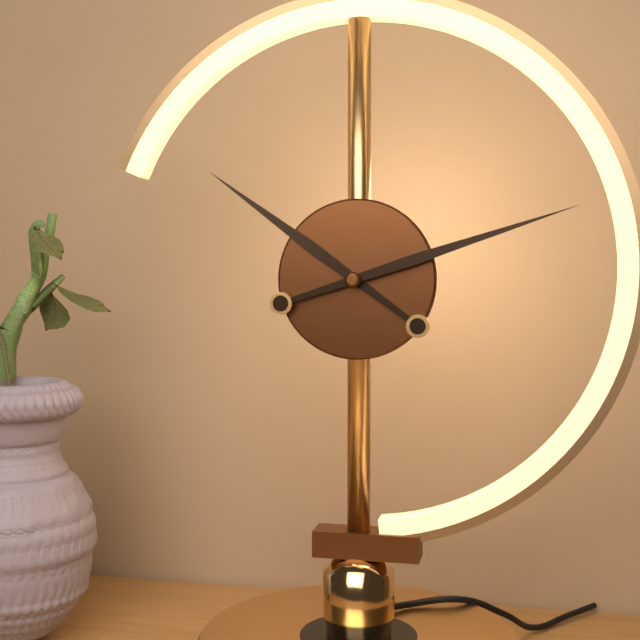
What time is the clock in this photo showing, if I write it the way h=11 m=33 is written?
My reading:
h=10 m=12
